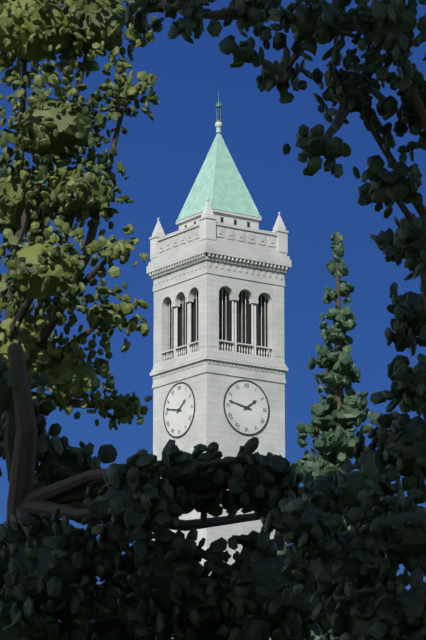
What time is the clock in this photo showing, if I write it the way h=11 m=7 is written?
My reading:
h=1 m=47
